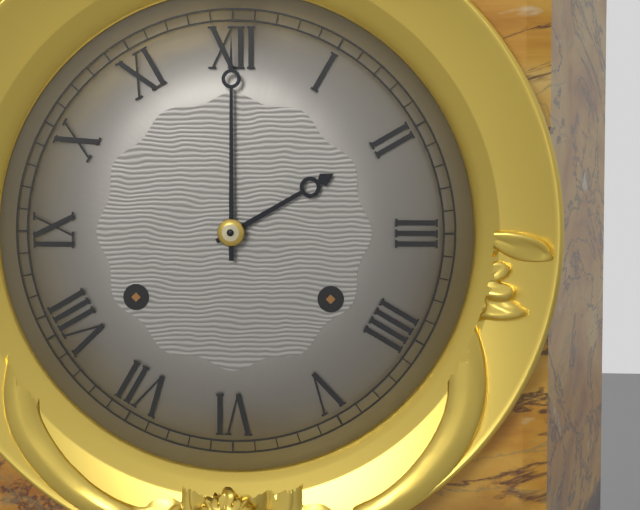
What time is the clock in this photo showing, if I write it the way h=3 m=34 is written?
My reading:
h=2 m=0
